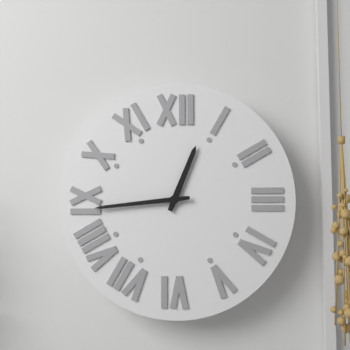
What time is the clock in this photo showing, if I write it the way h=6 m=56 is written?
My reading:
h=12 m=44
